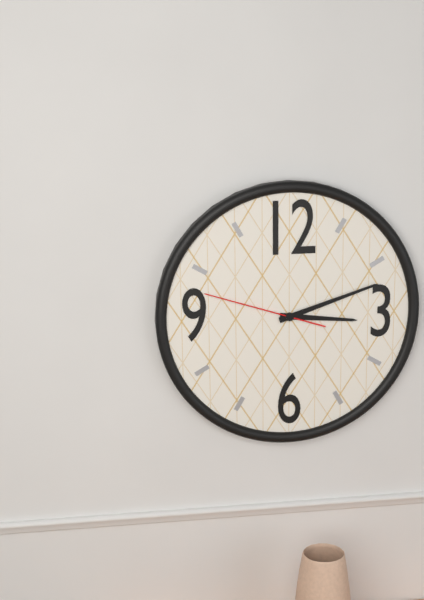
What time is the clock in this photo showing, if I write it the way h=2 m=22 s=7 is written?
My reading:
h=3 m=12 s=48
